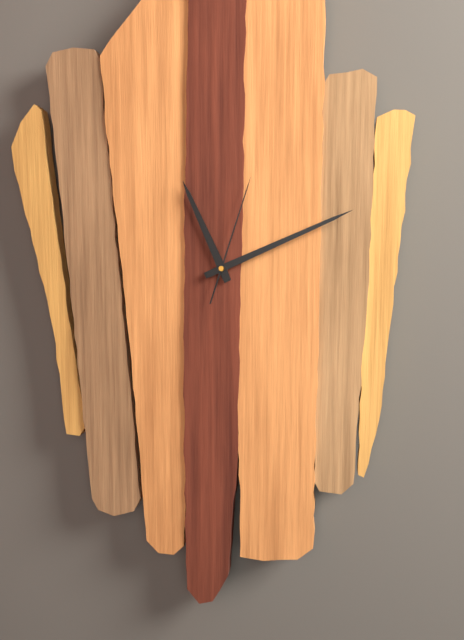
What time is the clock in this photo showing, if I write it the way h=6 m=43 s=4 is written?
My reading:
h=11 m=11 s=3
